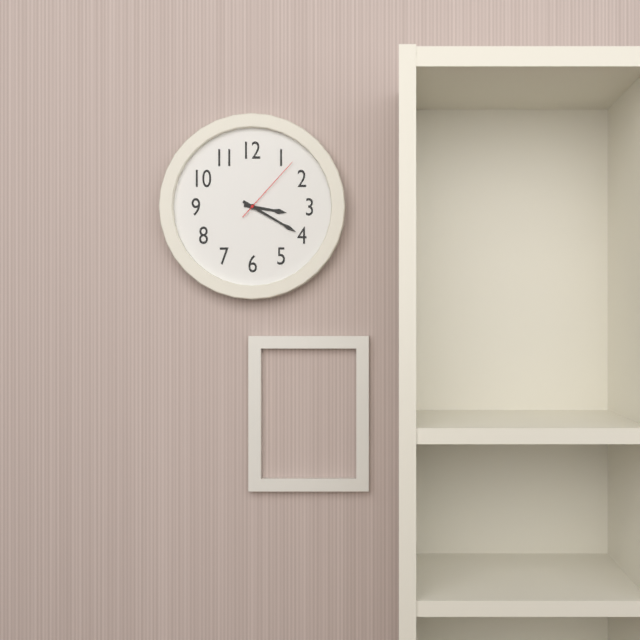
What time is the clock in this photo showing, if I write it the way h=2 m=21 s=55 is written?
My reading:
h=3 m=20 s=7
